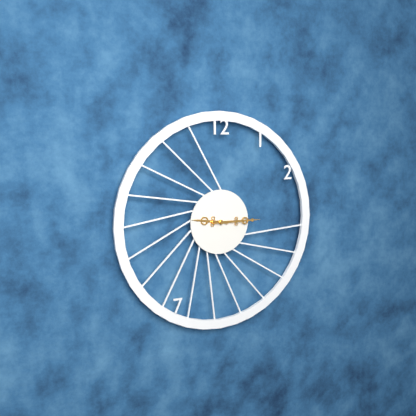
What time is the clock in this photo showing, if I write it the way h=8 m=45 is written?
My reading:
h=9 m=15
